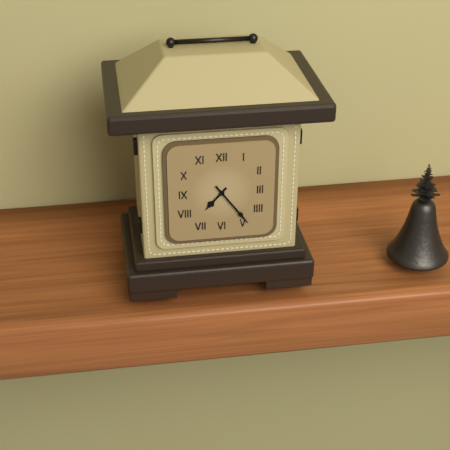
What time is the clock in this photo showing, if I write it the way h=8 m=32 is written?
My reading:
h=7 m=24
